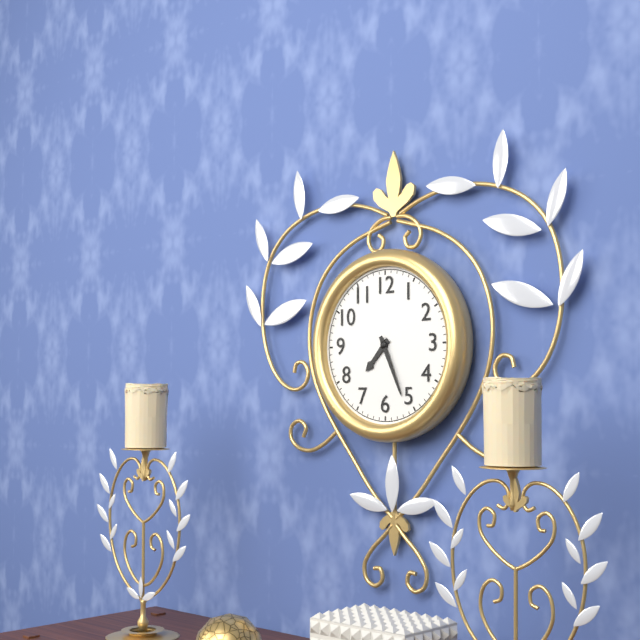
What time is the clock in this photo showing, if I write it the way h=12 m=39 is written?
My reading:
h=7 m=26
